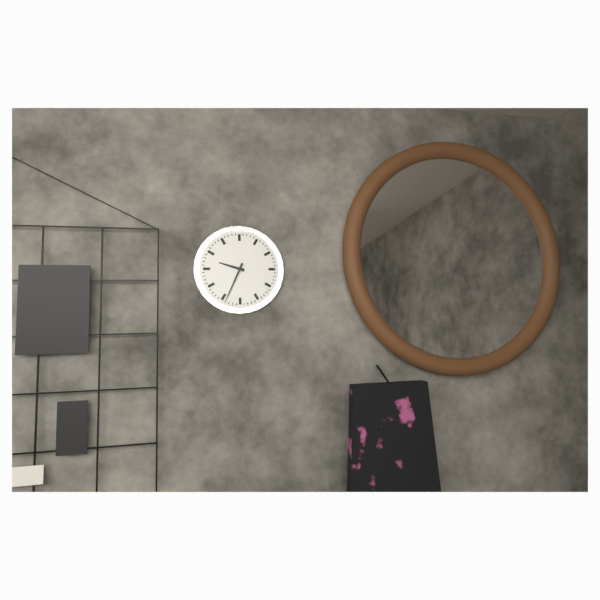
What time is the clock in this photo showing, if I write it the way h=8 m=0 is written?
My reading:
h=9 m=34
